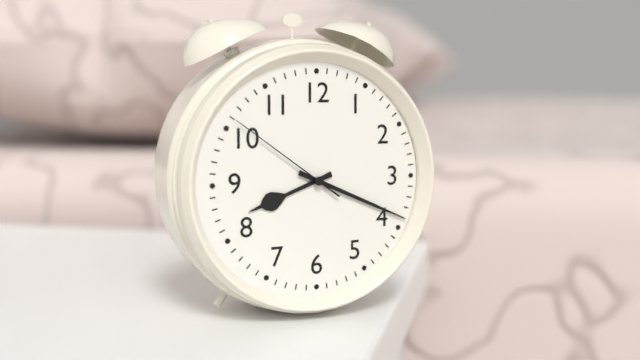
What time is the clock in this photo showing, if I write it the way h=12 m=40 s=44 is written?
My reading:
h=8 m=19 s=51
